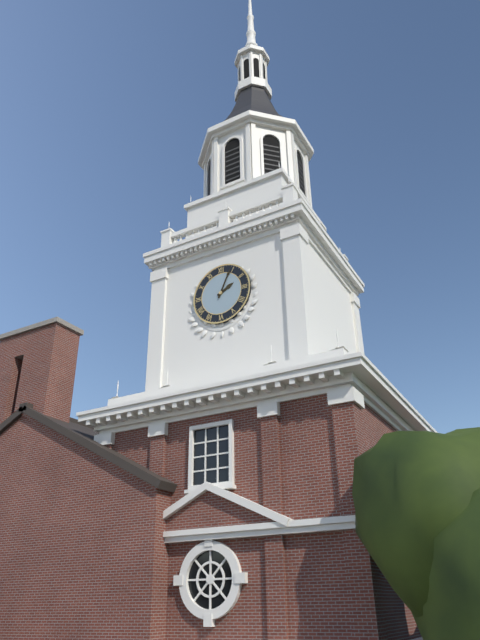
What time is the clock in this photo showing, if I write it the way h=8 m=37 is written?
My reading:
h=2 m=4
